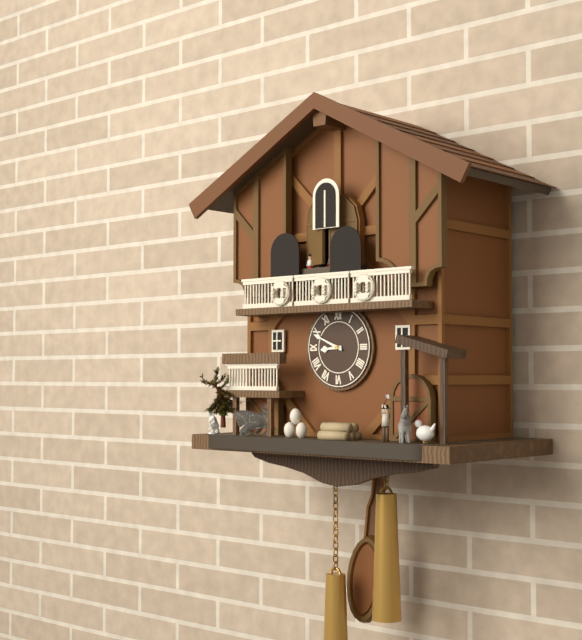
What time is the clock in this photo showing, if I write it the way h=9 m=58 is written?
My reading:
h=8 m=49
